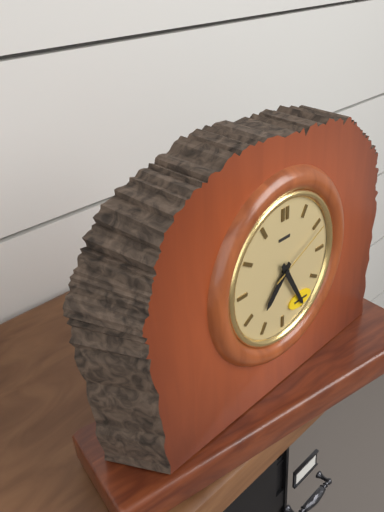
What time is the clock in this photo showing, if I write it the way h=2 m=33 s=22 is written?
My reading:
h=7 m=25 s=11
